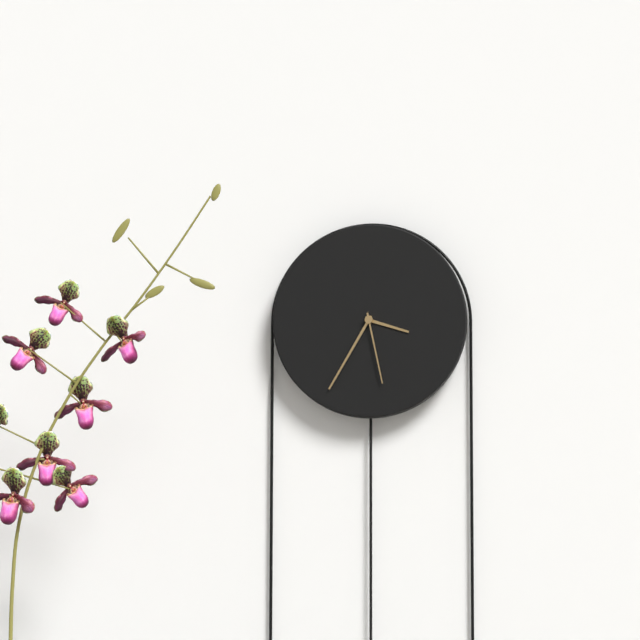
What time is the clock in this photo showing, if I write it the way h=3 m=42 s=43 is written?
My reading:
h=3 m=35 s=28
